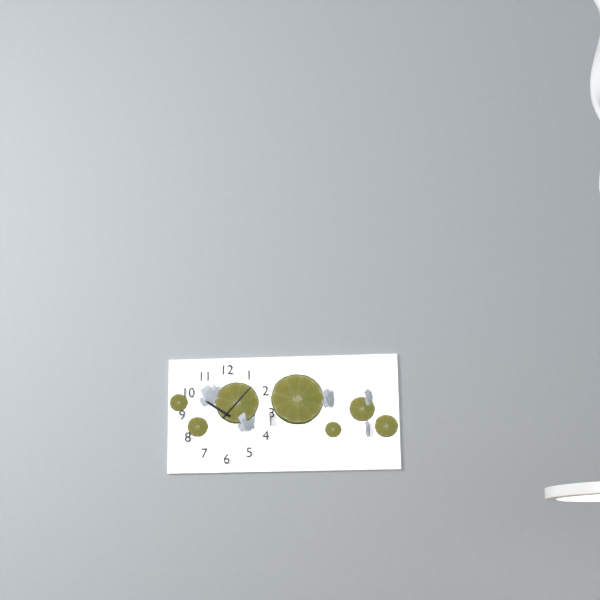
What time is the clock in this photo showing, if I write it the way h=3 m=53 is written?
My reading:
h=10 m=7
